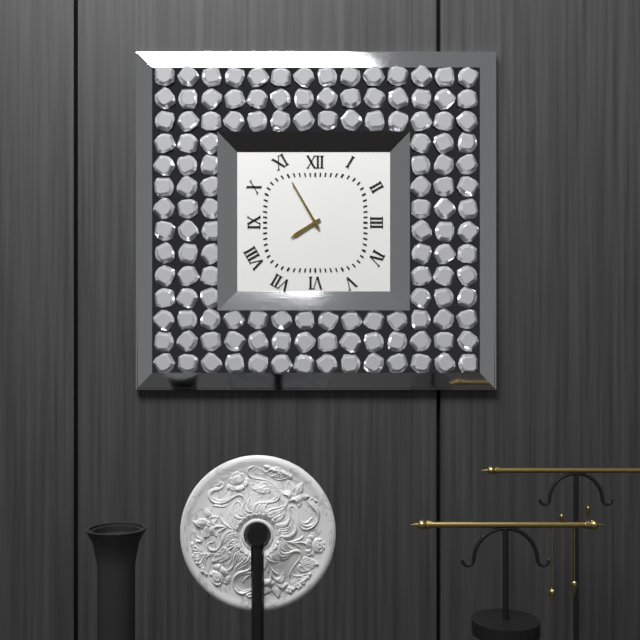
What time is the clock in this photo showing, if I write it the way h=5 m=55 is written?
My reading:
h=7 m=55
